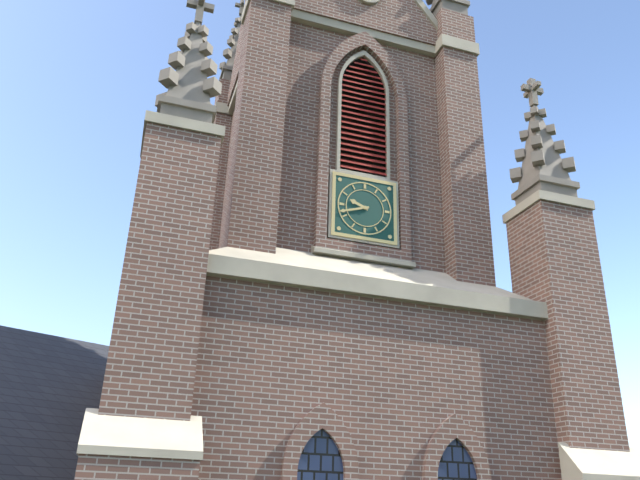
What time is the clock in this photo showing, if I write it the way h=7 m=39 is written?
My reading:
h=9 m=42
